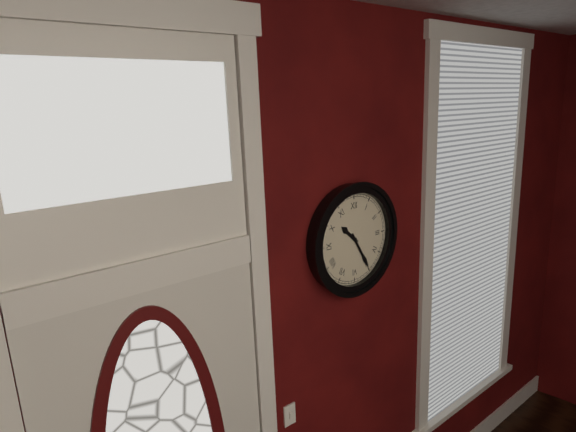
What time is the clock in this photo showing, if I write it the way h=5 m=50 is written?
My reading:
h=10 m=25
